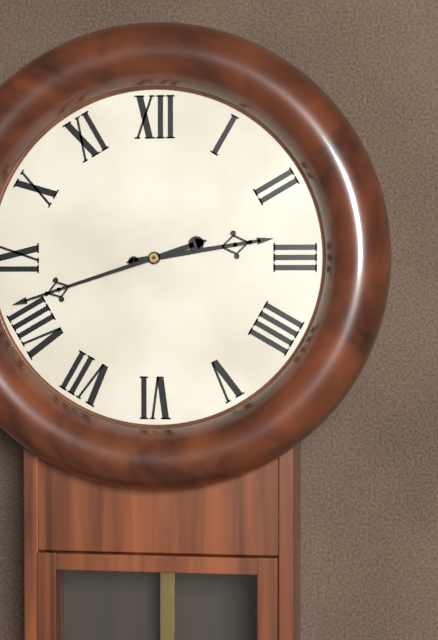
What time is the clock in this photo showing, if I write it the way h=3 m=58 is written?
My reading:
h=2 m=42
